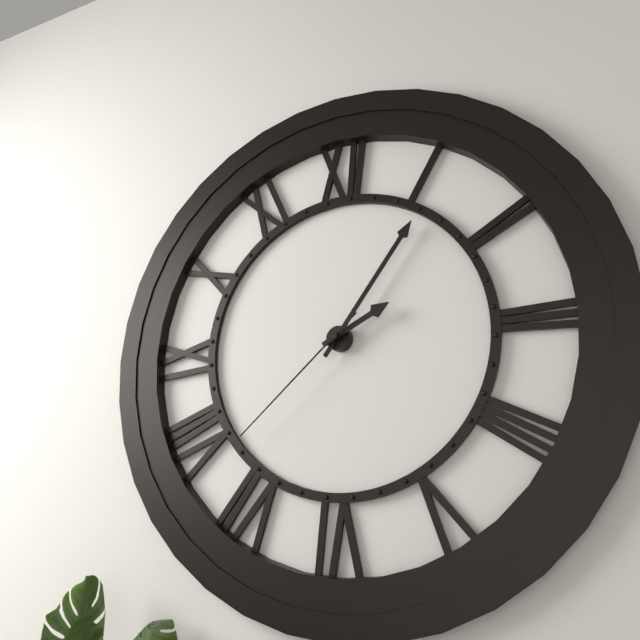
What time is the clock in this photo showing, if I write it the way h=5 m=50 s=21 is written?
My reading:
h=2 m=6 s=38
